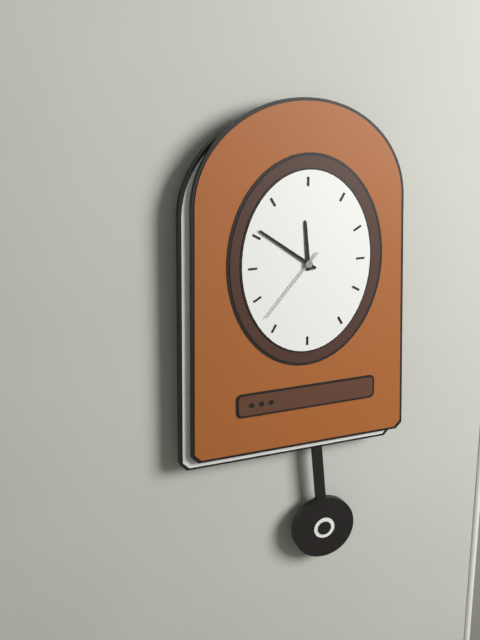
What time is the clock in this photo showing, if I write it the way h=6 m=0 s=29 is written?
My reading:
h=11 m=51 s=37
